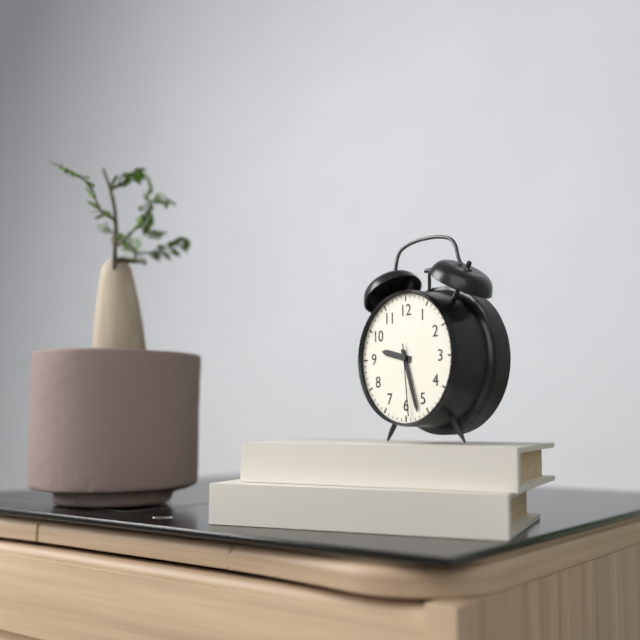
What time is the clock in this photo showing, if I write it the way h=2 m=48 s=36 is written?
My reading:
h=9 m=27 s=29
